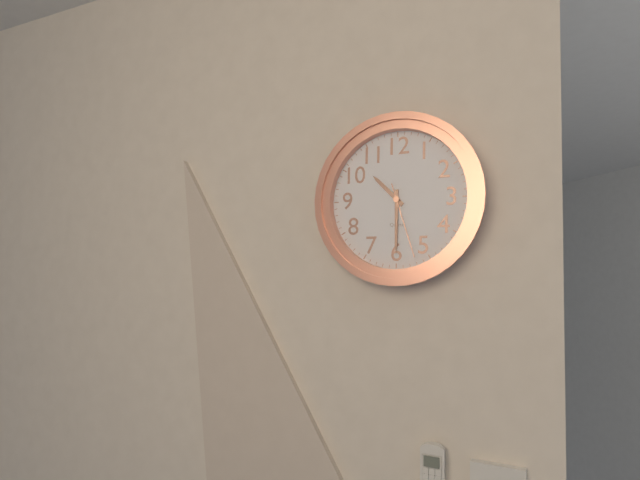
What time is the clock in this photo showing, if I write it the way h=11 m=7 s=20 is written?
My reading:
h=10 m=30 s=27
